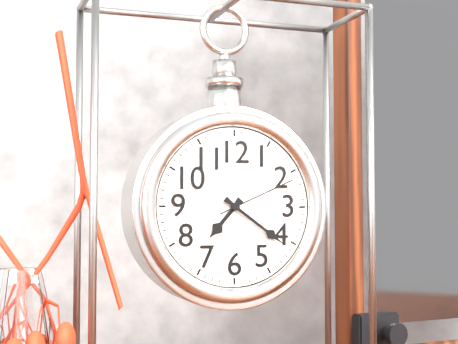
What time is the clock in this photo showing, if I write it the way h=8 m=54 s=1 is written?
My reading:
h=7 m=21 s=11
